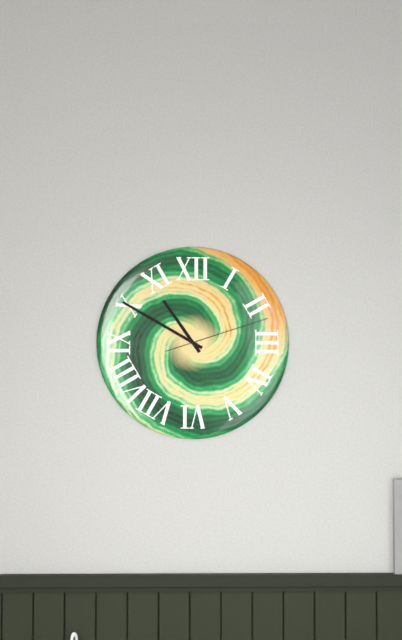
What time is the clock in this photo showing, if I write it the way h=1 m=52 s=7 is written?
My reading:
h=10 m=50 s=12
